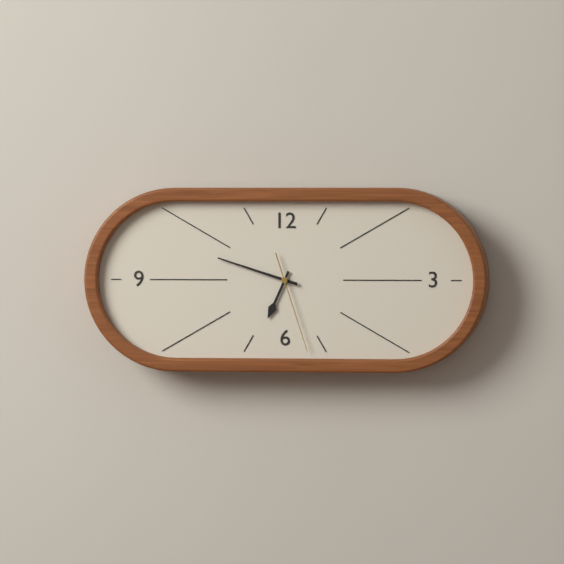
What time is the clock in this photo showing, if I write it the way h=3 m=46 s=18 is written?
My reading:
h=6 m=48 s=27
